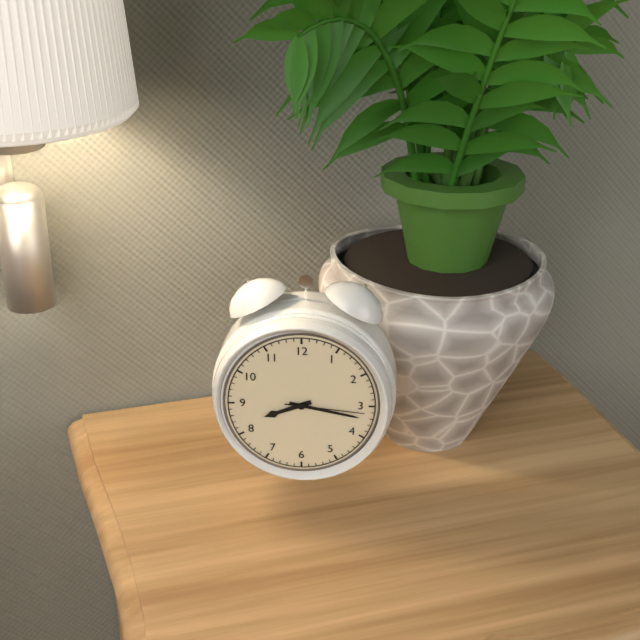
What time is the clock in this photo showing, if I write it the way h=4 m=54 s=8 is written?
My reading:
h=8 m=17 s=16
